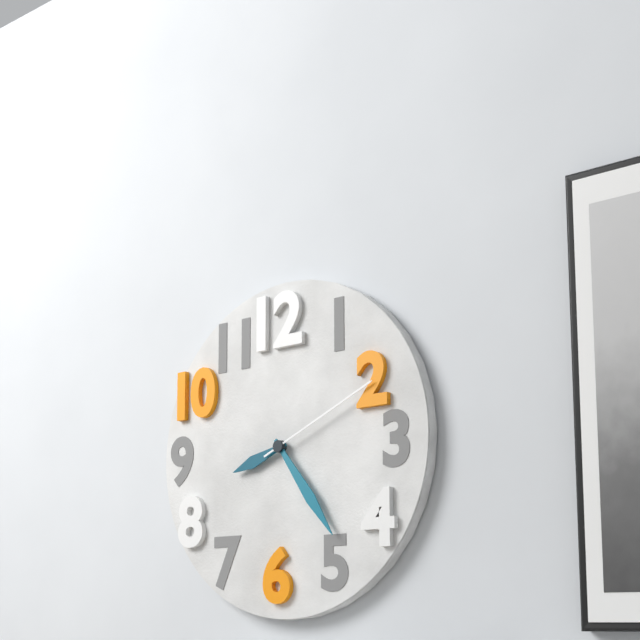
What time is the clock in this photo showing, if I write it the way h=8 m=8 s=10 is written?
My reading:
h=8 m=24 s=11
